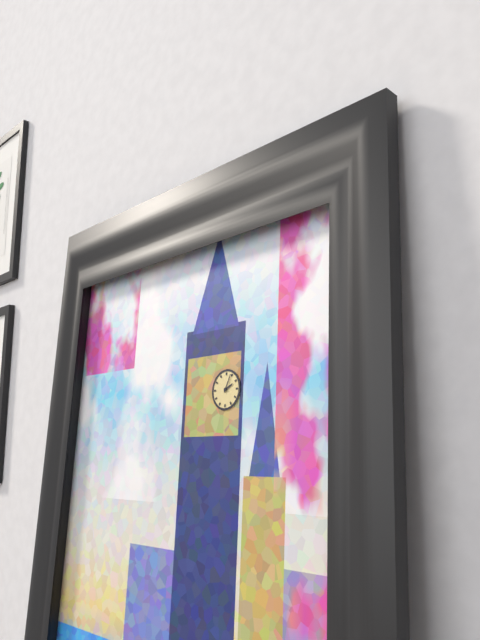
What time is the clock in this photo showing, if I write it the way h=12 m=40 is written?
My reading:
h=2 m=4
